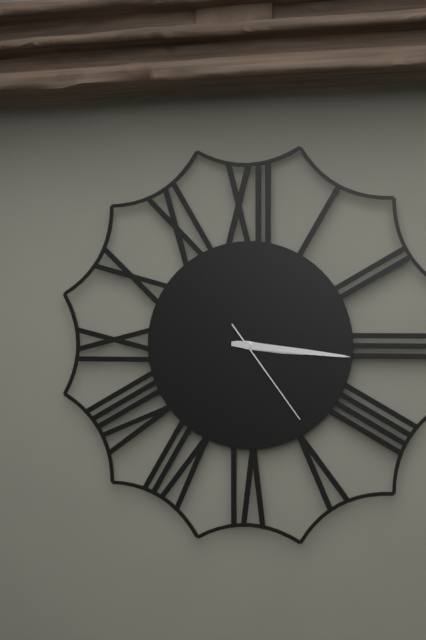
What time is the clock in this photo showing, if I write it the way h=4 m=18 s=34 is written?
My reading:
h=3 m=16 s=24
